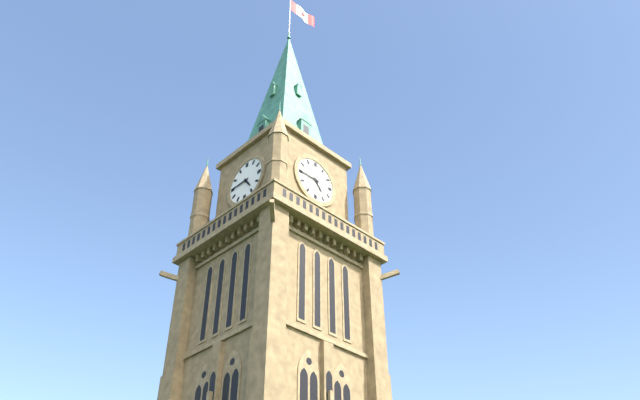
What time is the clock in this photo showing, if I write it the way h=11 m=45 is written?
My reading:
h=4 m=45
